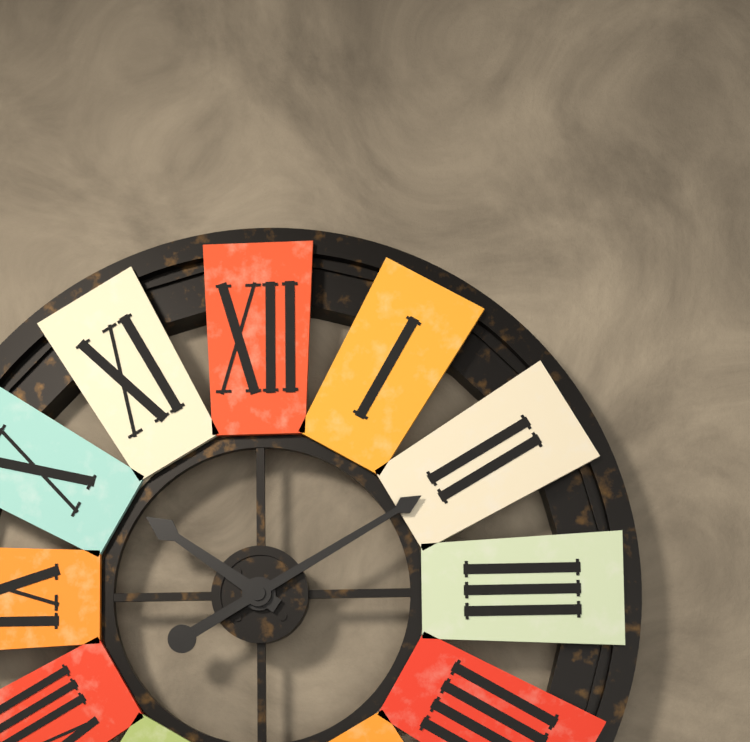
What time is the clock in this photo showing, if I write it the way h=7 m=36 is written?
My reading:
h=10 m=10
